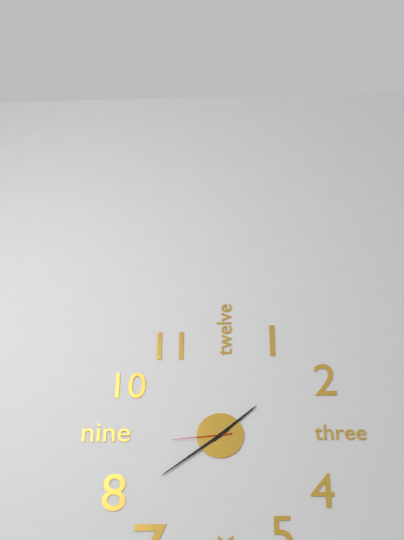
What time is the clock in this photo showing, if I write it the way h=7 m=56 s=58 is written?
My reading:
h=1 m=39 s=44
